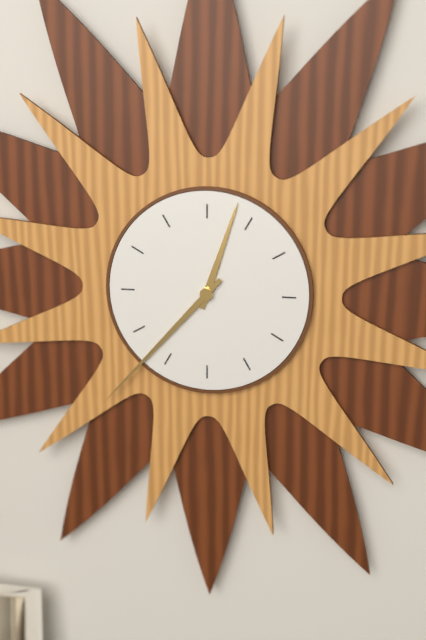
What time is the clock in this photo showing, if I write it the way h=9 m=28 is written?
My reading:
h=12 m=37
